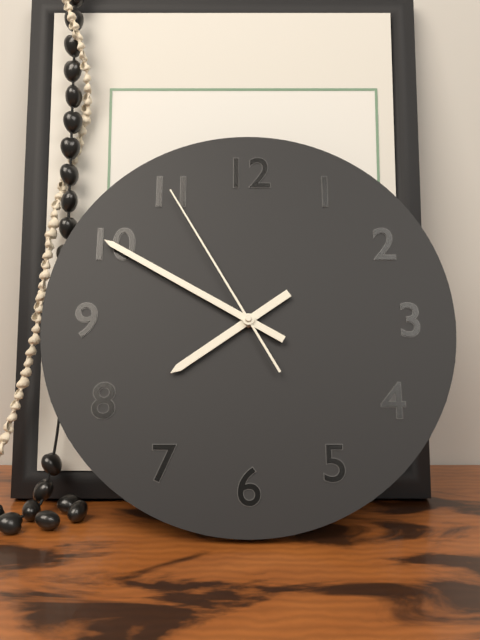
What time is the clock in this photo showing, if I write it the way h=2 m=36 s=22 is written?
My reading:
h=7 m=50 s=55
